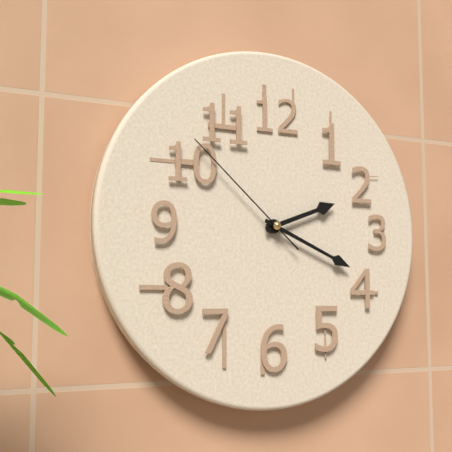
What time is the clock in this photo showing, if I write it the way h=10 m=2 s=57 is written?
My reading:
h=2 m=19 s=52
